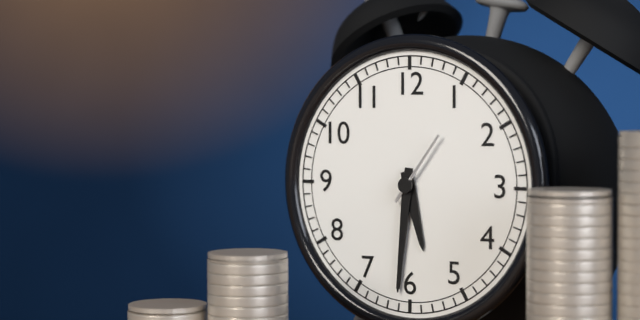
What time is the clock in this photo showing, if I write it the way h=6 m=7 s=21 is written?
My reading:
h=5 m=31 s=6
